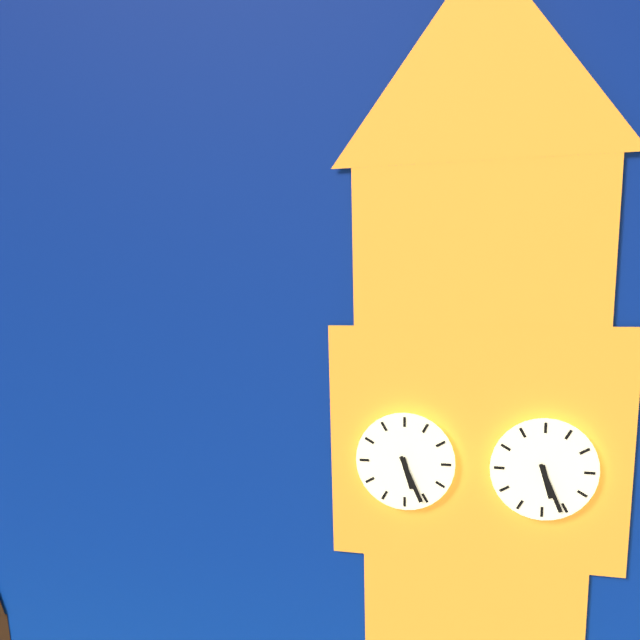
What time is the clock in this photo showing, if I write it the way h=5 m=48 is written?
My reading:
h=5 m=26
